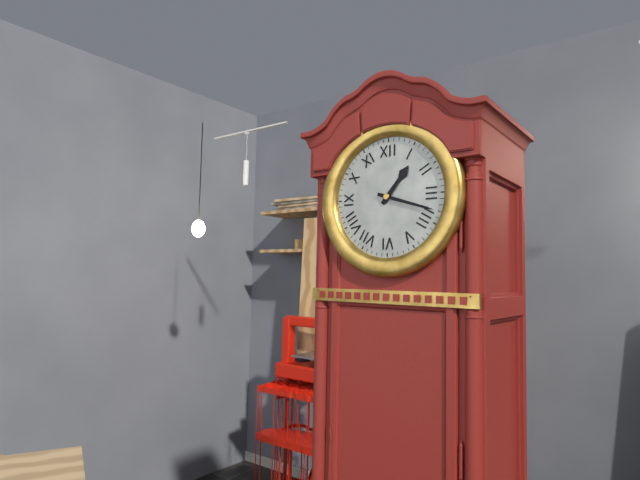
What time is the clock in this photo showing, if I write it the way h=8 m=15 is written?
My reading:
h=1 m=18
